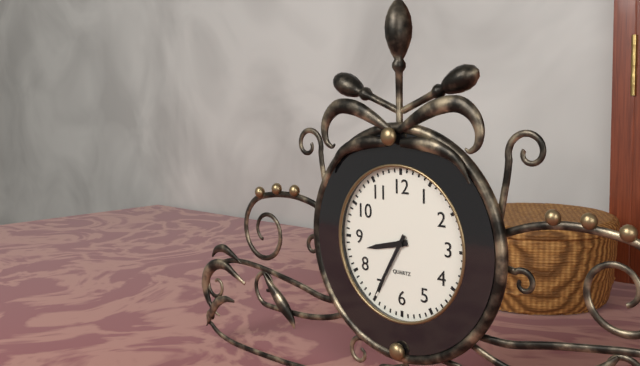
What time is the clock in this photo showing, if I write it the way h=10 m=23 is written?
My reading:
h=8 m=35
